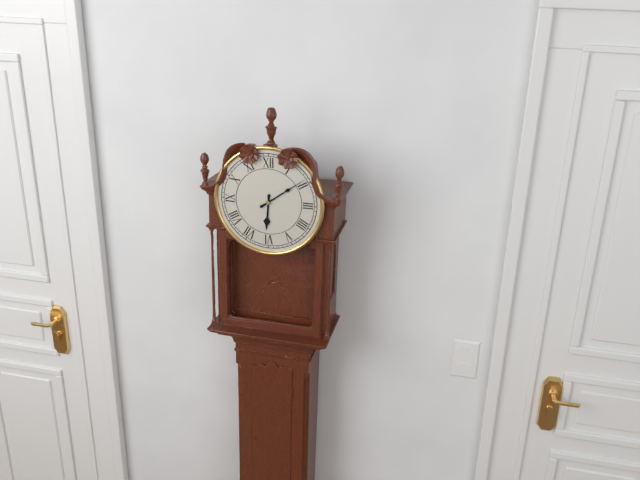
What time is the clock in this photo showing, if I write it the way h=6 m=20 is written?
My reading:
h=6 m=9
